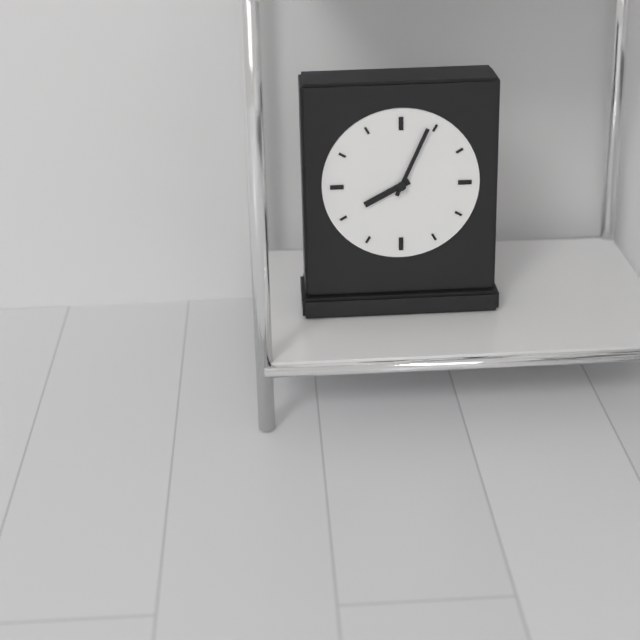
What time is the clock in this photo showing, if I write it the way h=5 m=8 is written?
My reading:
h=8 m=4
